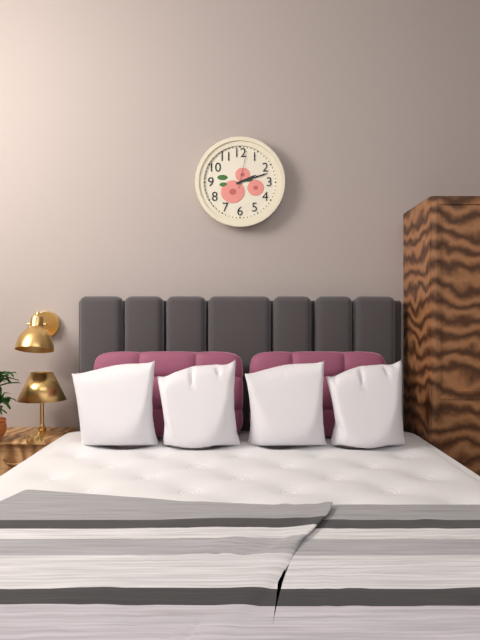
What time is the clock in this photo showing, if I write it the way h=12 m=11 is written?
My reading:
h=2 m=12
